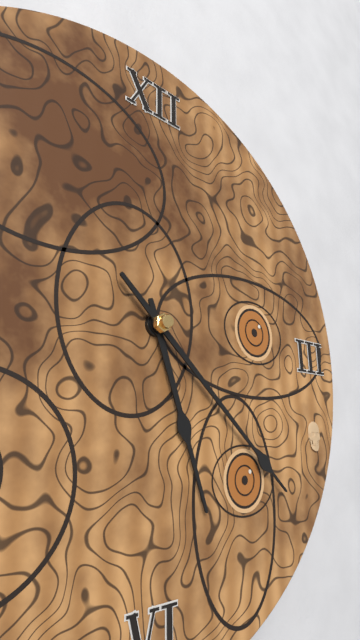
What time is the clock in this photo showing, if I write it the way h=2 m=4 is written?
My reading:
h=5 m=22
